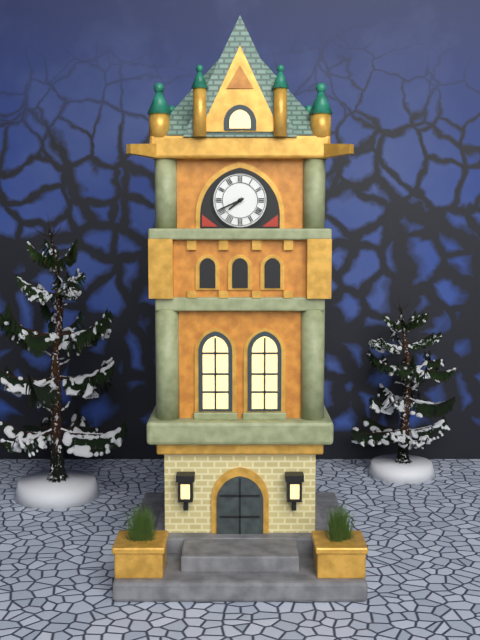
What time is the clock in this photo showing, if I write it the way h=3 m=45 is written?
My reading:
h=7 m=41
